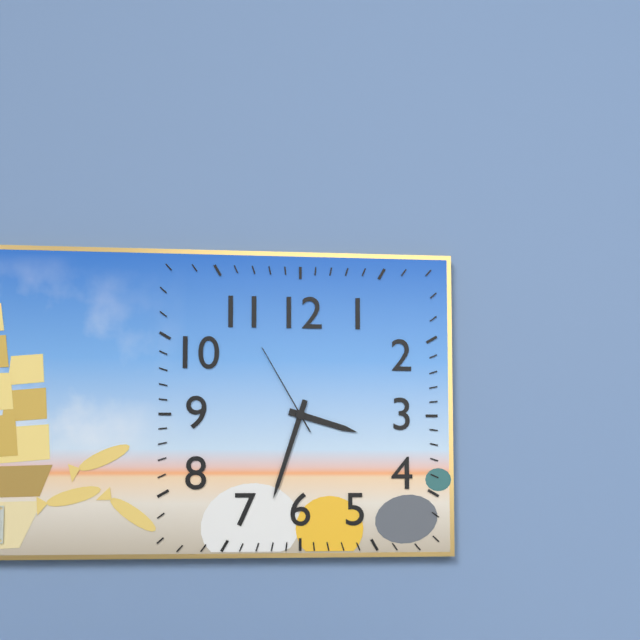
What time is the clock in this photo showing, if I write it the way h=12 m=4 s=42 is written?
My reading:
h=3 m=33 s=55
